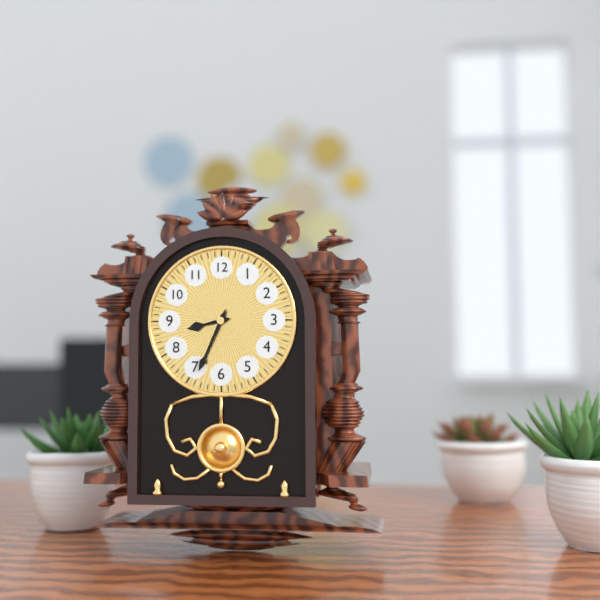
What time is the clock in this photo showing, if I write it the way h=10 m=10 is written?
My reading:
h=8 m=34
